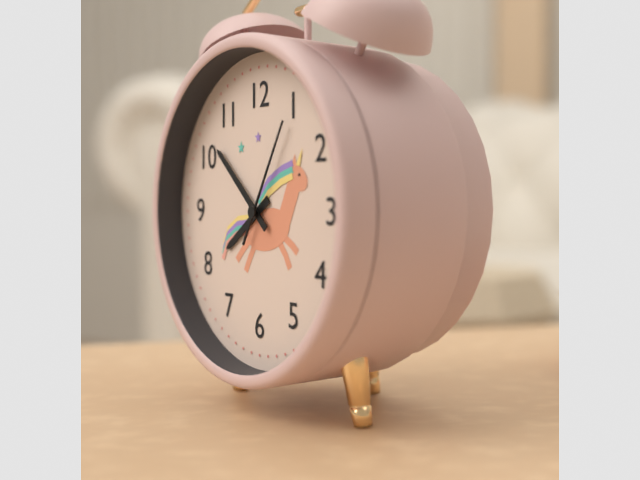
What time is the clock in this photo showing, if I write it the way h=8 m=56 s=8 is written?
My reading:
h=7 m=52 s=5
